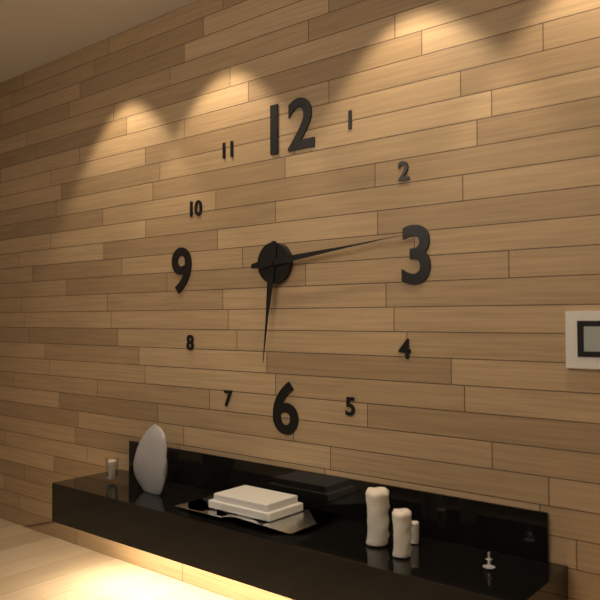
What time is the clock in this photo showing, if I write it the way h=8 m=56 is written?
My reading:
h=6 m=14
